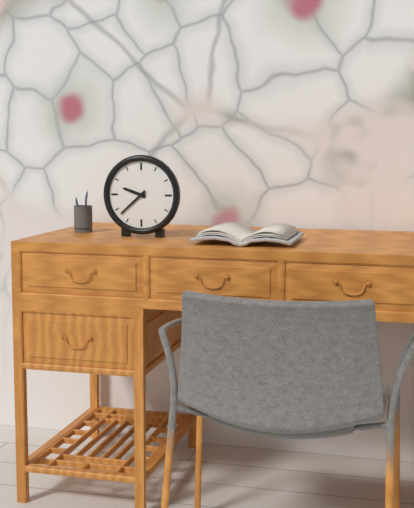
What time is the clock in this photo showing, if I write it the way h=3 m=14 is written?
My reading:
h=9 m=38
